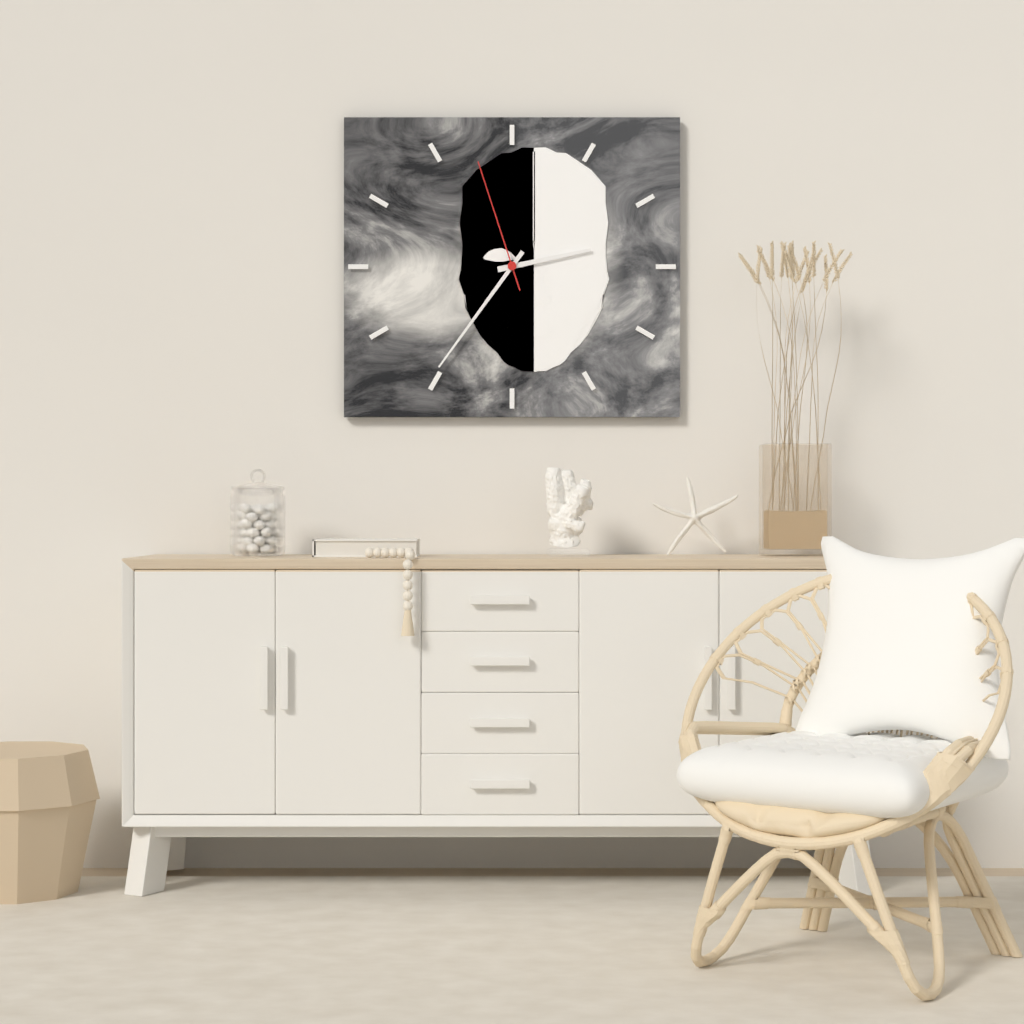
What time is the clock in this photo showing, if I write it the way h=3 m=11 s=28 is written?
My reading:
h=2 m=36 s=57
